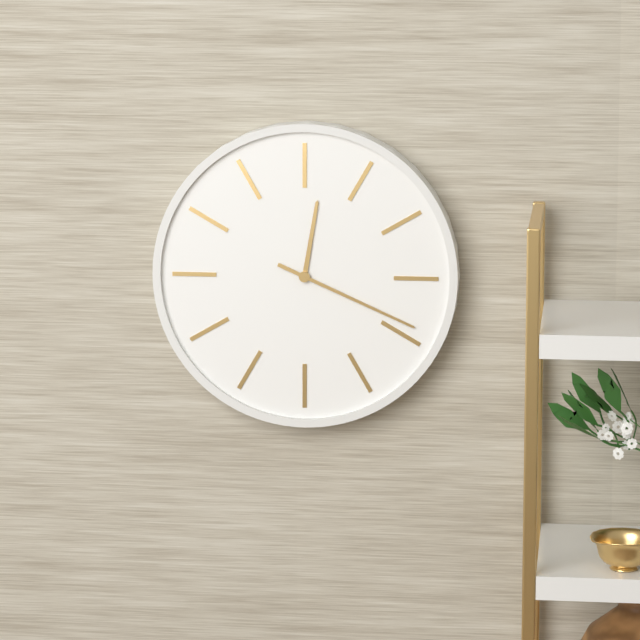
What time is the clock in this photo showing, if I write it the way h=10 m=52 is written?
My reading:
h=12 m=19
